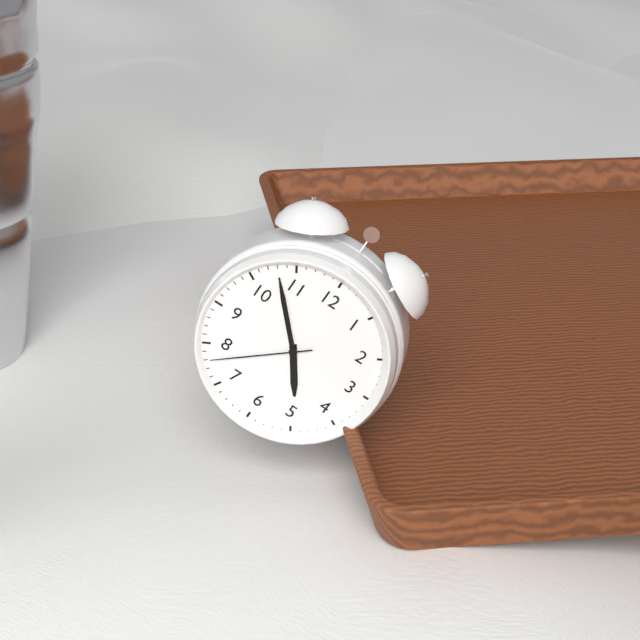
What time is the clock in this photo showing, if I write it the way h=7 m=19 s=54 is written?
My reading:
h=4 m=53 s=38
